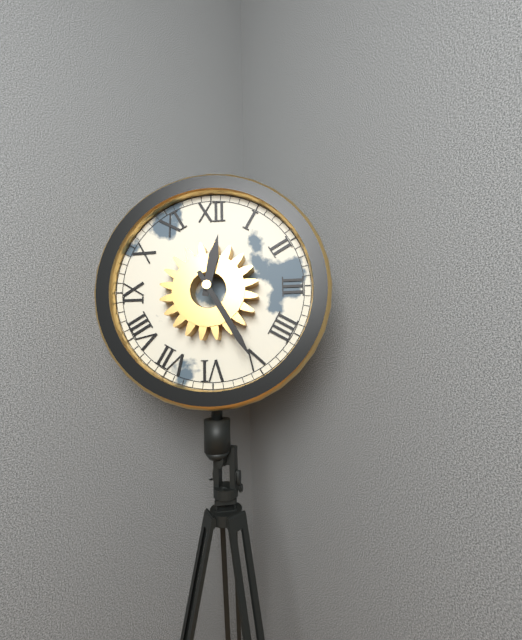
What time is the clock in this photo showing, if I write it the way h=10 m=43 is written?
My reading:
h=12 m=25
